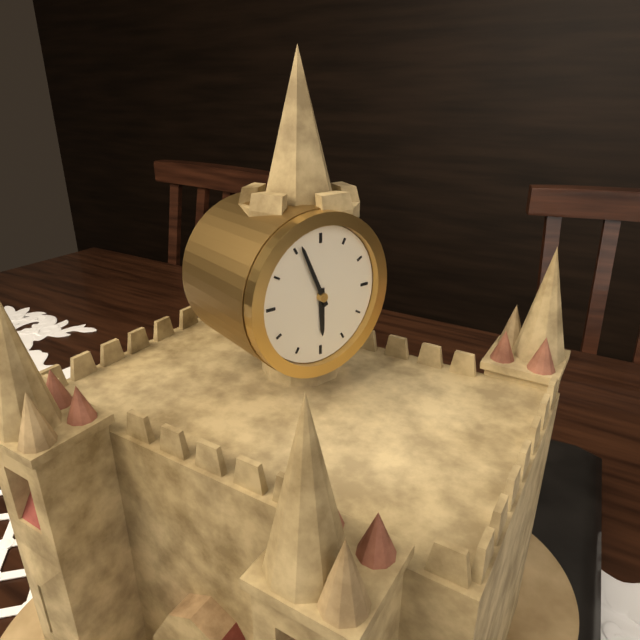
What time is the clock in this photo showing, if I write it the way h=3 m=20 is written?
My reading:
h=5 m=56
